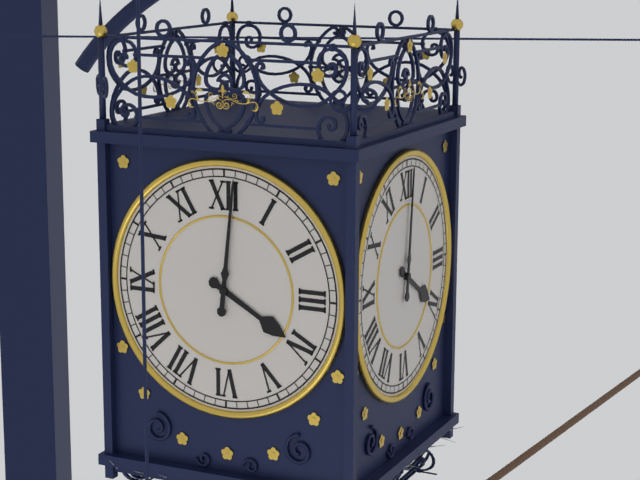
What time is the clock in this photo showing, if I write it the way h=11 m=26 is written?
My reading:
h=4 m=1
